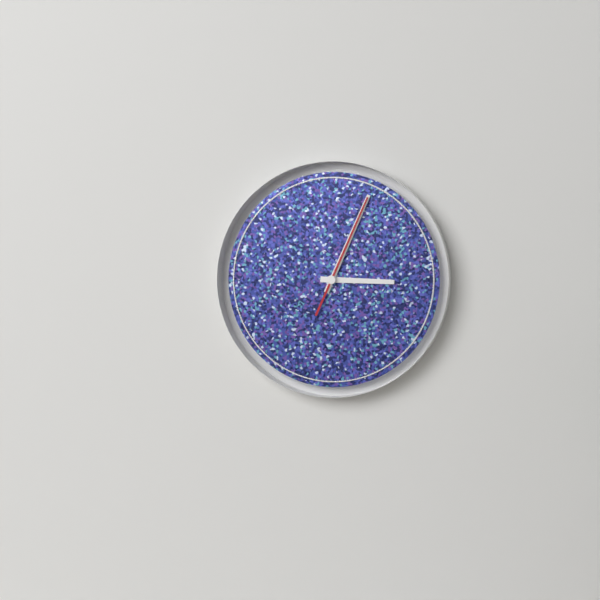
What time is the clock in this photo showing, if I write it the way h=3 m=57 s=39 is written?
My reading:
h=3 m=4 s=4
